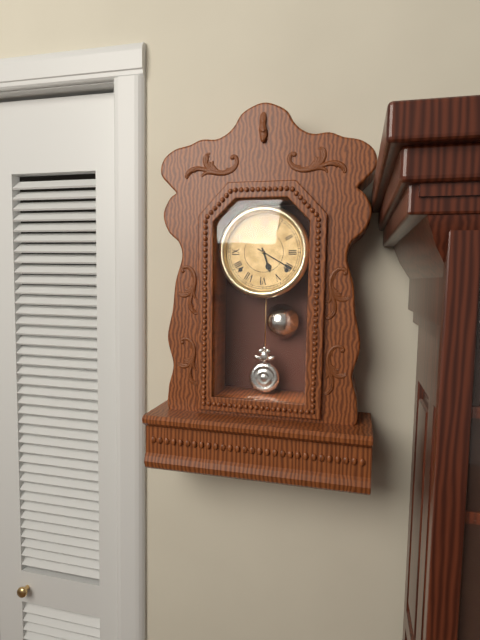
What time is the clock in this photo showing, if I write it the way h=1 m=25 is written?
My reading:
h=5 m=20
